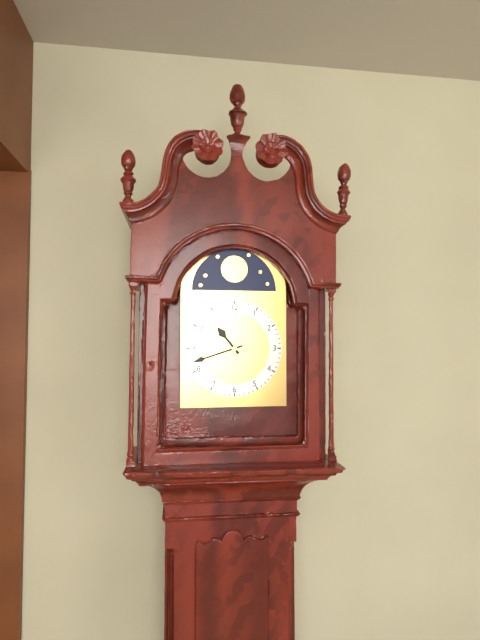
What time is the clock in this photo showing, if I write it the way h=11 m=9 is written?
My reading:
h=10 m=42
